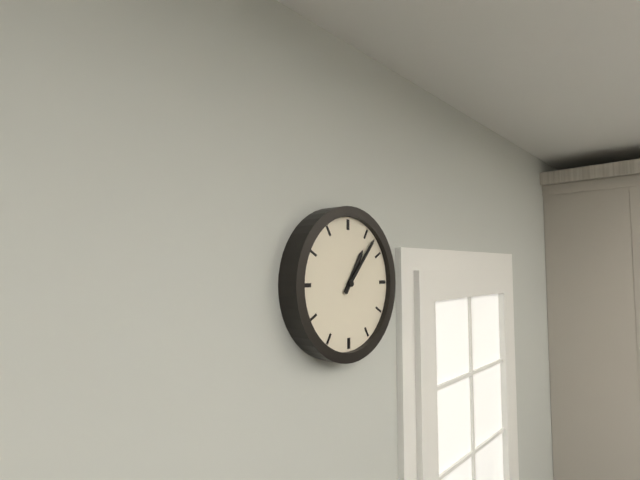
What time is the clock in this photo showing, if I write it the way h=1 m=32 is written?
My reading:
h=1 m=7
